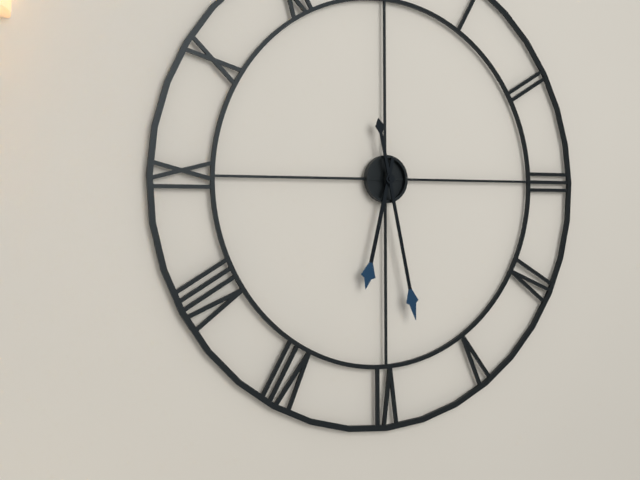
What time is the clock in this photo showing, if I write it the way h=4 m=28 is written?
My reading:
h=6 m=28
